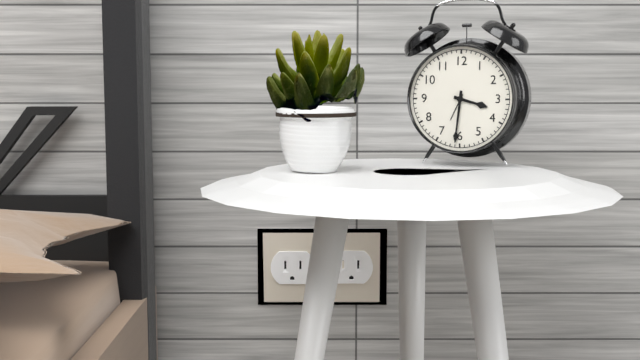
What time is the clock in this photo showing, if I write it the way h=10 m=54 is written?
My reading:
h=3 m=31
